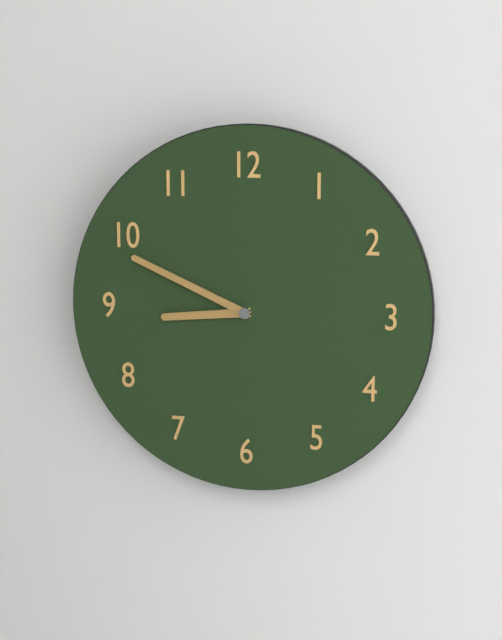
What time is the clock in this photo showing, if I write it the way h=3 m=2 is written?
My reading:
h=8 m=49
